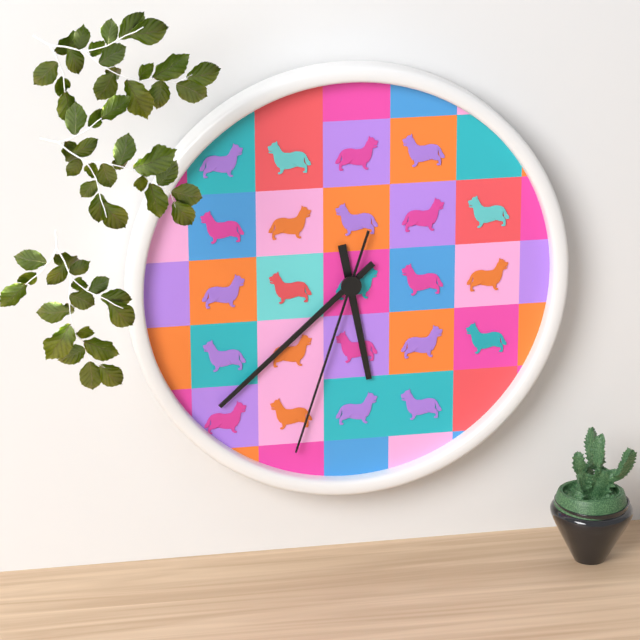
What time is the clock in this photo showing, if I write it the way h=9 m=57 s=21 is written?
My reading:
h=5 m=38 s=33
